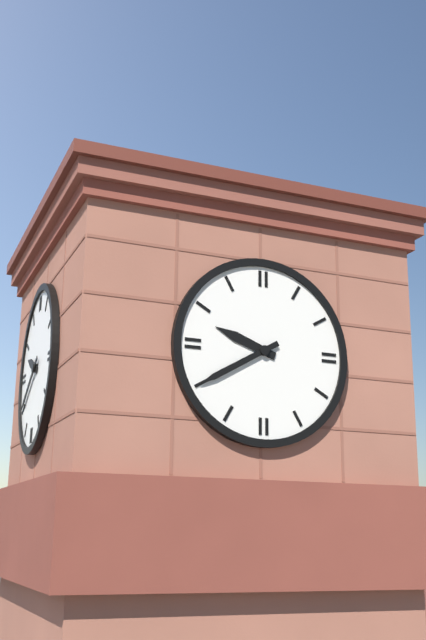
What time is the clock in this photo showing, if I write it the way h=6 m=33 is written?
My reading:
h=9 m=40
